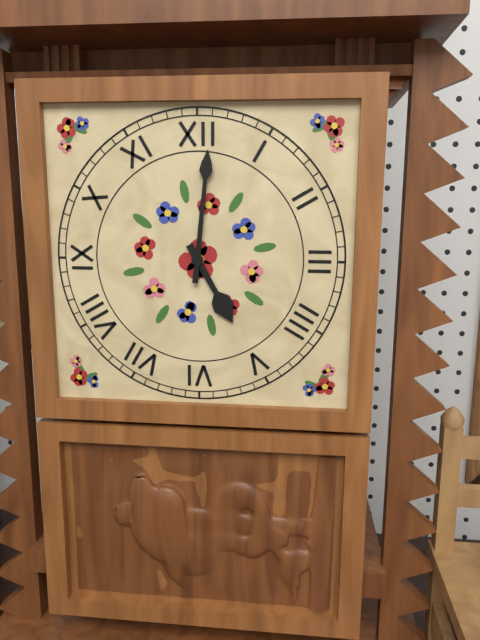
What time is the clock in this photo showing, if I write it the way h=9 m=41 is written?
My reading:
h=5 m=1
